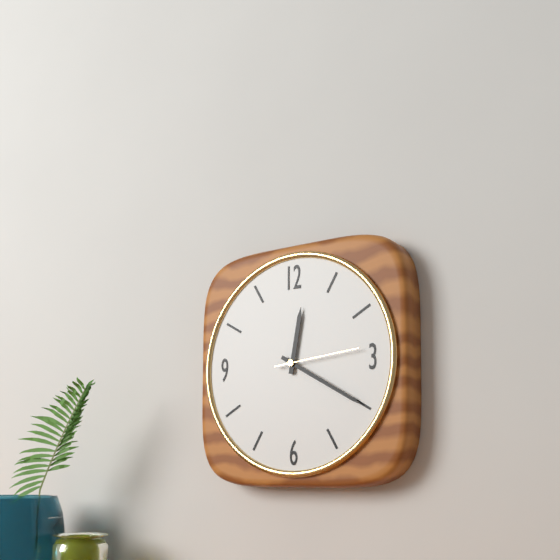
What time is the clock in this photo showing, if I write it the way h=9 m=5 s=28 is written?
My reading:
h=12 m=20 s=14
